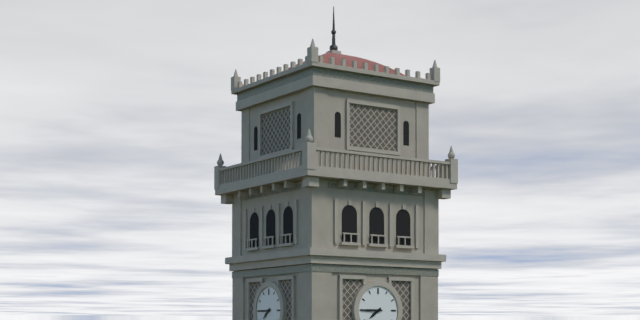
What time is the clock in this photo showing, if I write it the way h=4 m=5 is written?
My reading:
h=7 m=45
